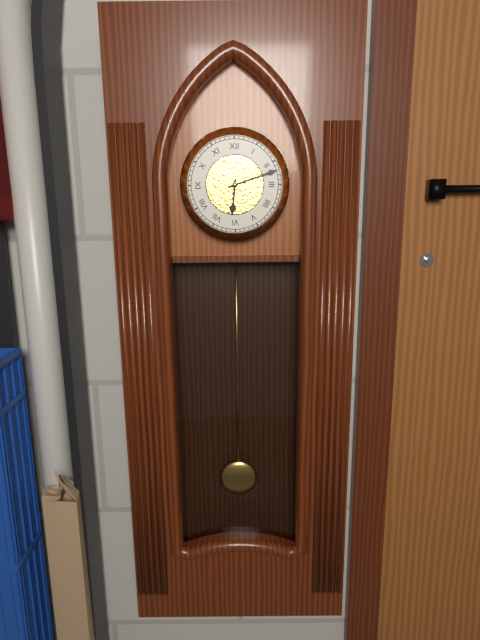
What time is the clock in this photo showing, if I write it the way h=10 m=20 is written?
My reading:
h=6 m=12
